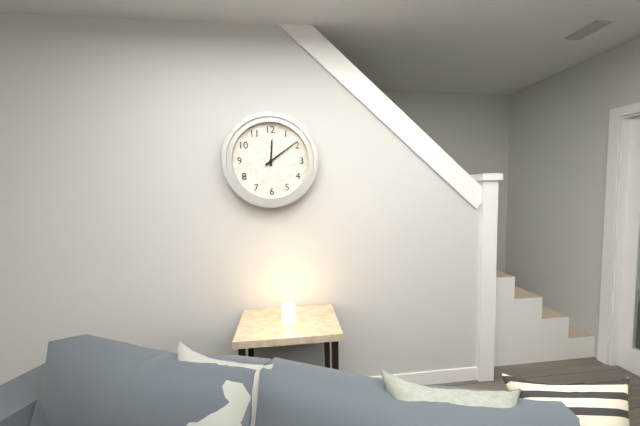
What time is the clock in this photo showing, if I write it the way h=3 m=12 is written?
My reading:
h=12 m=9
